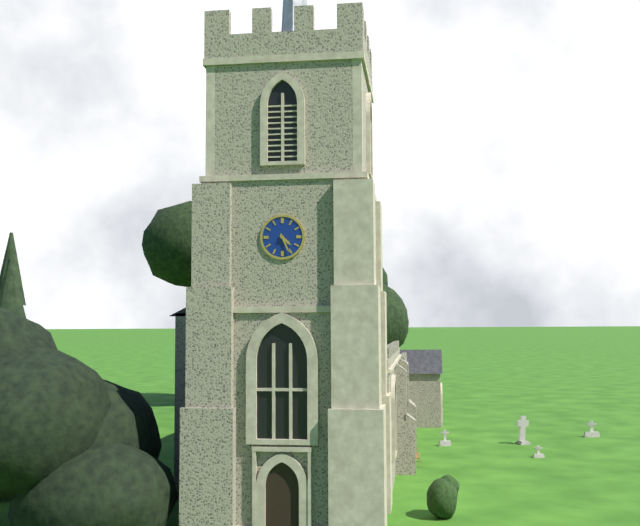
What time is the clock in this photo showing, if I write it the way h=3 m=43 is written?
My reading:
h=4 m=26
